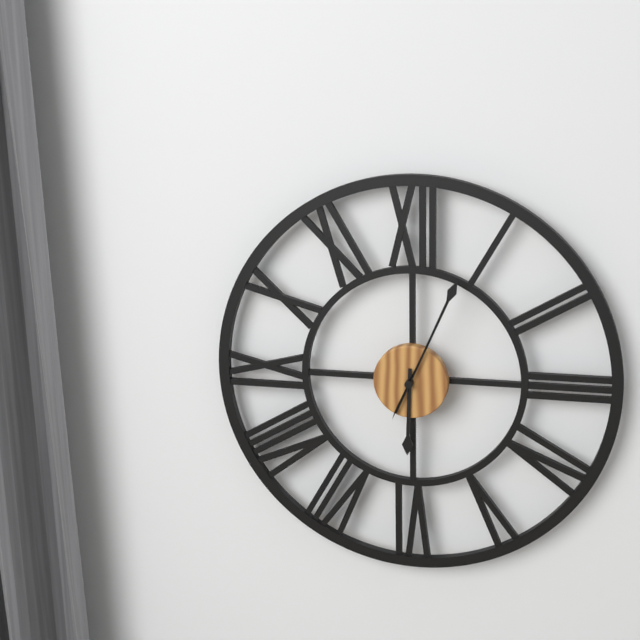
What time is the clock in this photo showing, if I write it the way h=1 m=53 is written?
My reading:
h=6 m=4
